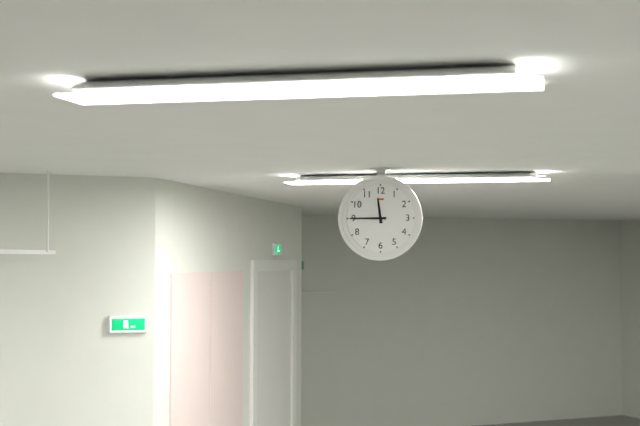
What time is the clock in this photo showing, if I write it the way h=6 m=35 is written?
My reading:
h=11 m=45
